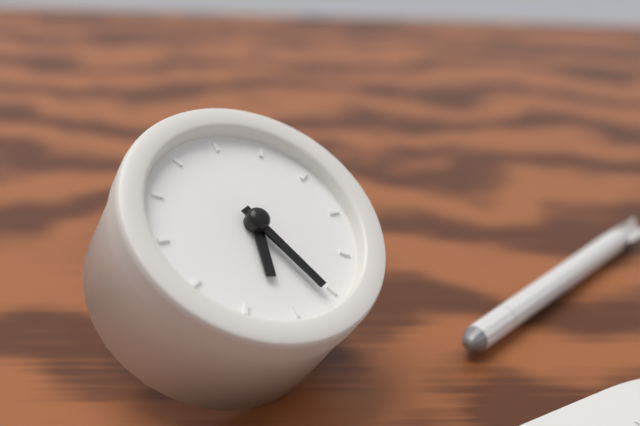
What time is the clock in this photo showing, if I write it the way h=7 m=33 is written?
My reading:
h=5 m=21
